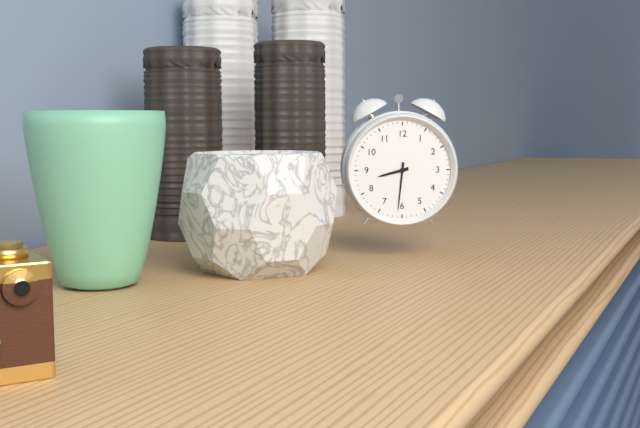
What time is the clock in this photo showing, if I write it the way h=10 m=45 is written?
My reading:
h=8 m=31
